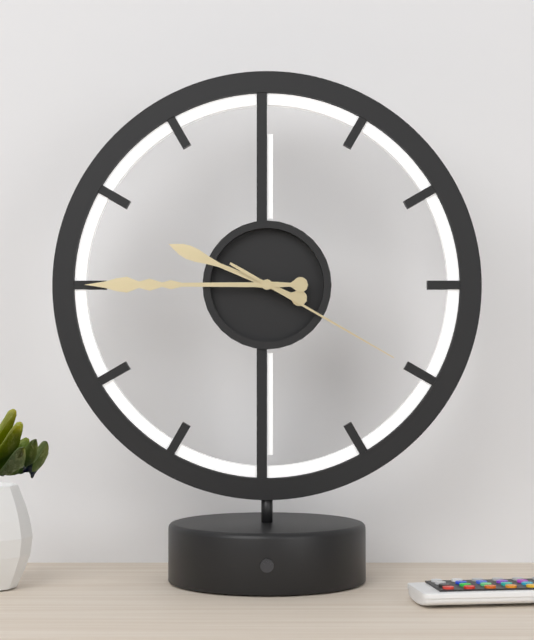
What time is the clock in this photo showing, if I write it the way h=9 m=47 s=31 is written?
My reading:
h=9 m=45 s=20
